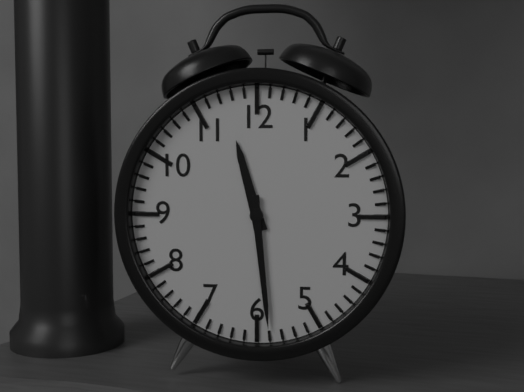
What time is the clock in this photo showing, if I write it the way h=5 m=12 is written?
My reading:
h=11 m=29
